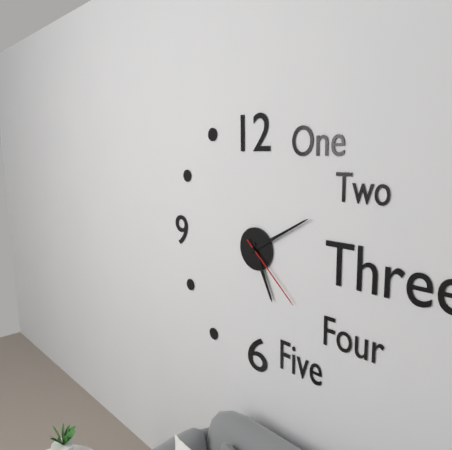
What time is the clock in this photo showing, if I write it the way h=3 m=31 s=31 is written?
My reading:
h=5 m=10 s=22
